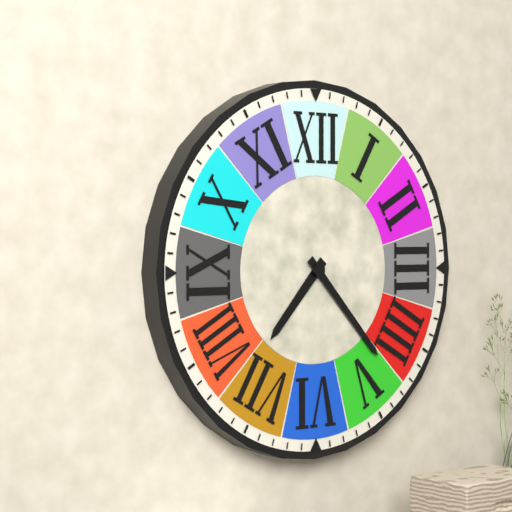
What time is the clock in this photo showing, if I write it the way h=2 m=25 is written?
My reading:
h=7 m=23
